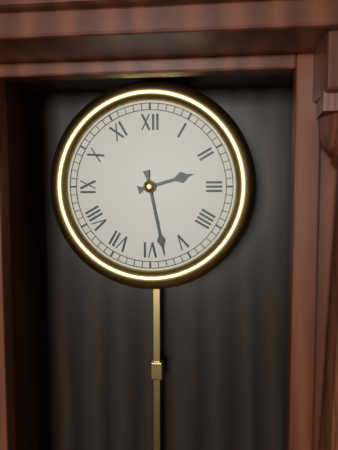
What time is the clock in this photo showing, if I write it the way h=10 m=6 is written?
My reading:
h=2 m=28
